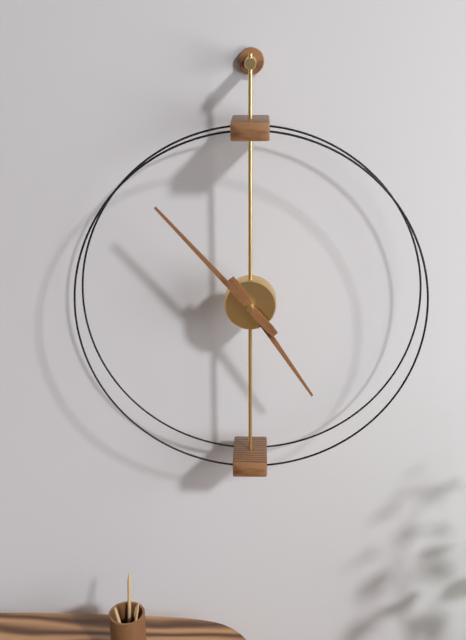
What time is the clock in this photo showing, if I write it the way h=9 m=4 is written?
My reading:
h=4 m=53
